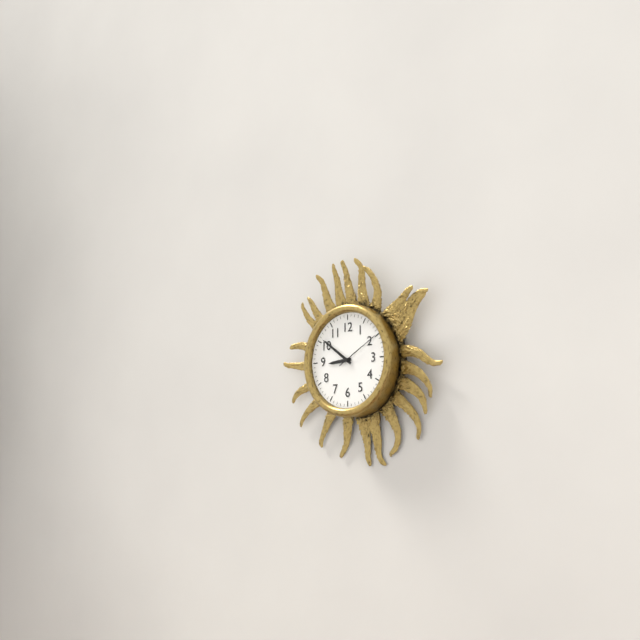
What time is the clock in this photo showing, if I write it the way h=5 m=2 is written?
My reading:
h=8 m=51
